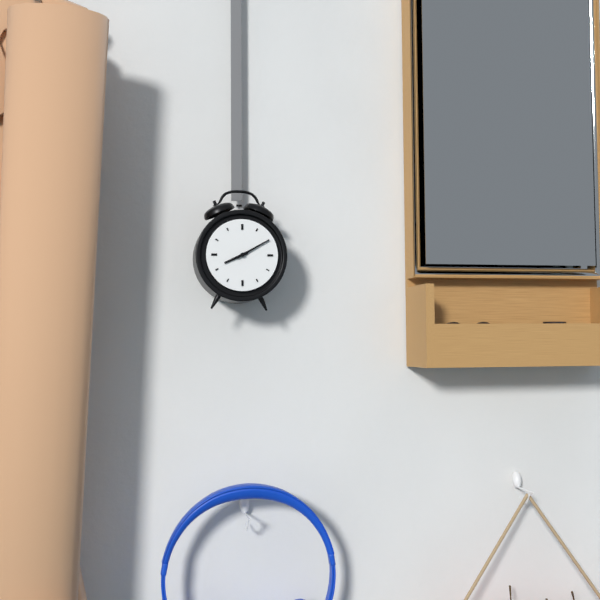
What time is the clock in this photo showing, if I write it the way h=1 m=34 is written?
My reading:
h=8 m=10
